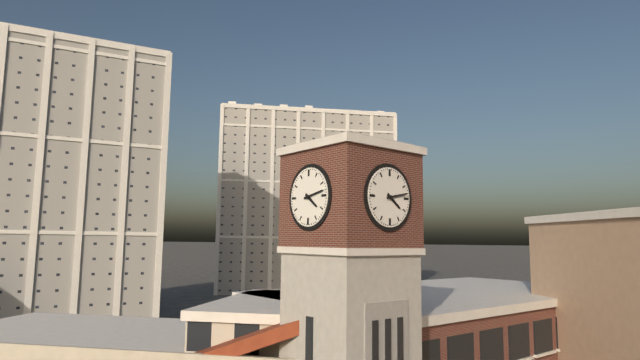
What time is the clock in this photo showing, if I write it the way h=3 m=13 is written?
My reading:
h=4 m=13
